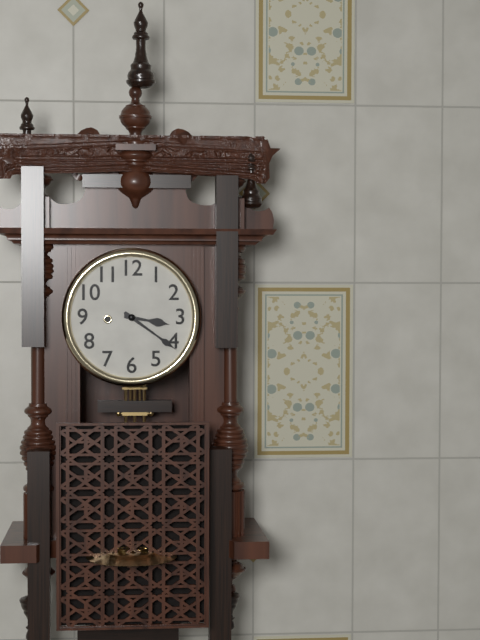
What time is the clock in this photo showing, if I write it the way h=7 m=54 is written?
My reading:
h=3 m=21
